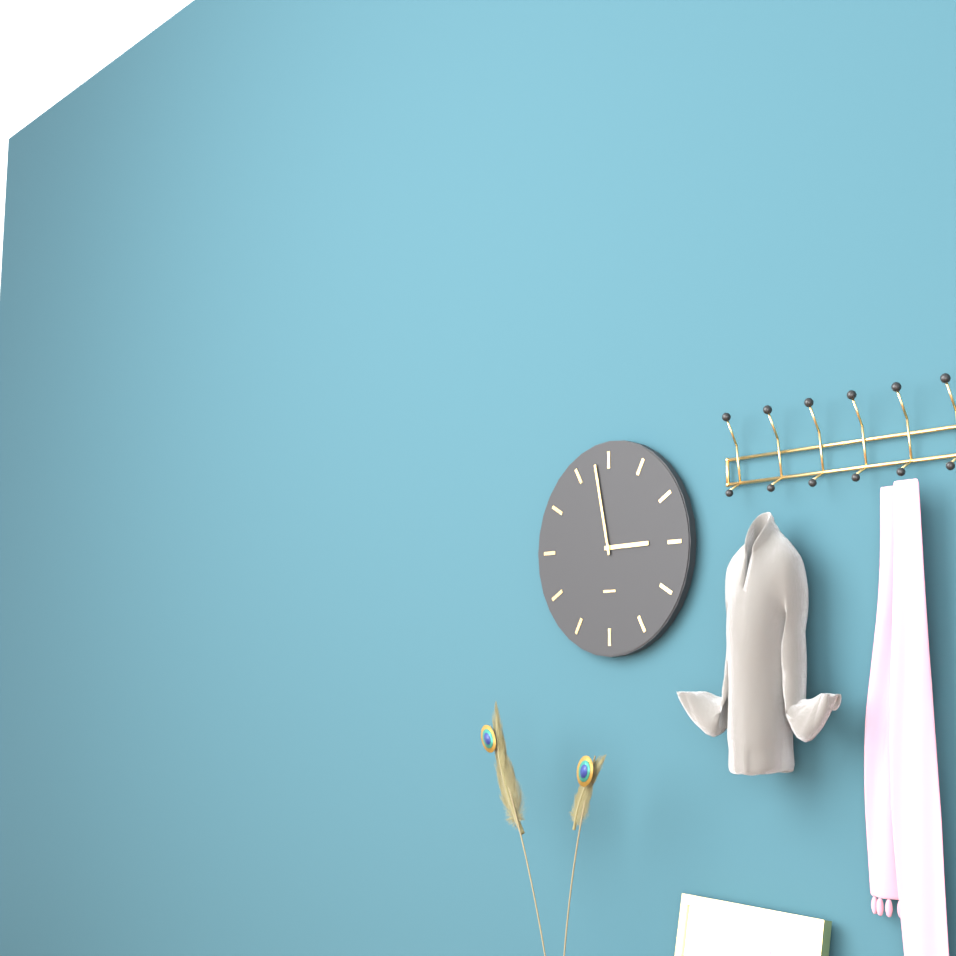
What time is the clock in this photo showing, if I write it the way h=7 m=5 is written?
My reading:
h=2 m=58
